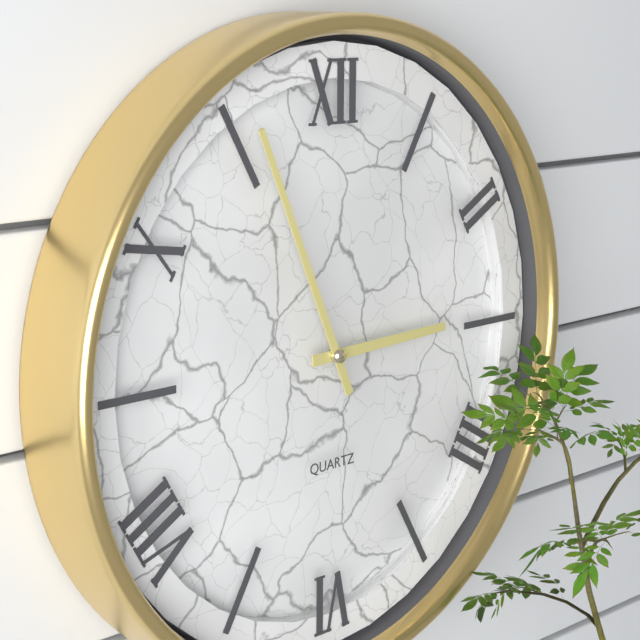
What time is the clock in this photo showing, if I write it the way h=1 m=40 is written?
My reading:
h=2 m=56
